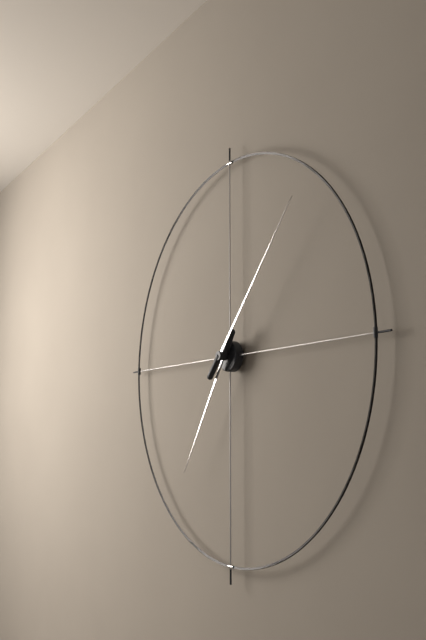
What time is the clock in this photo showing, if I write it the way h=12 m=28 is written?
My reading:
h=7 m=7
